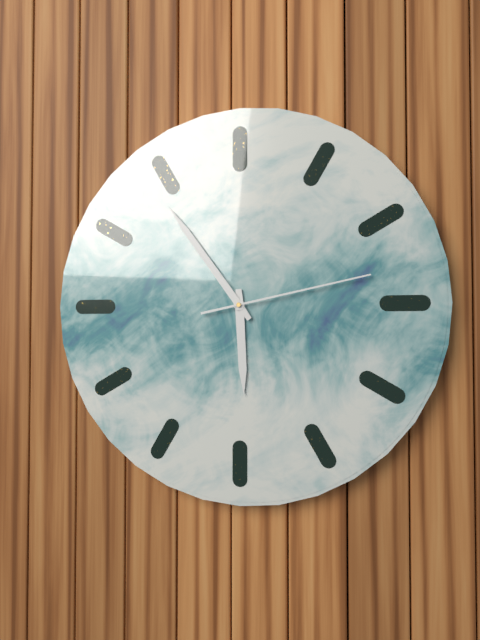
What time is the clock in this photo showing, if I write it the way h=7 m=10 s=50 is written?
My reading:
h=5 m=54 s=13
